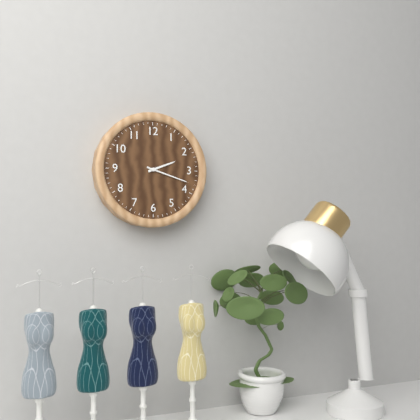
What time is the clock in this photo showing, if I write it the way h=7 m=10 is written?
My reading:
h=2 m=18
